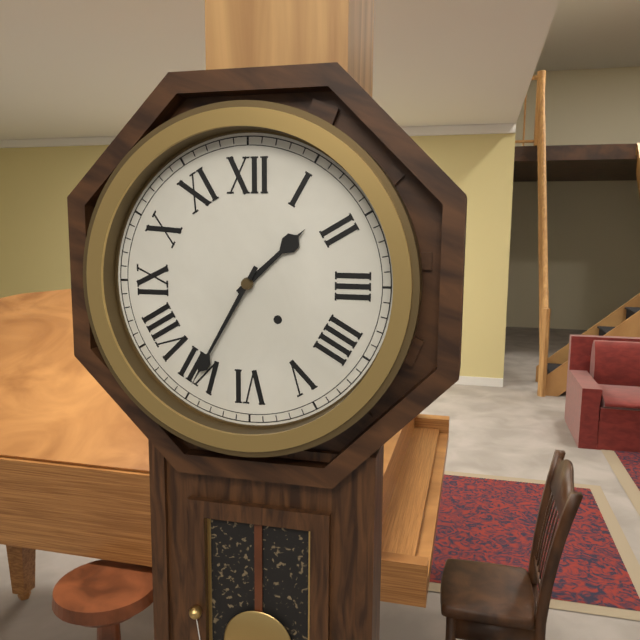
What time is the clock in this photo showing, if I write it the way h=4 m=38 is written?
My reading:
h=1 m=35
